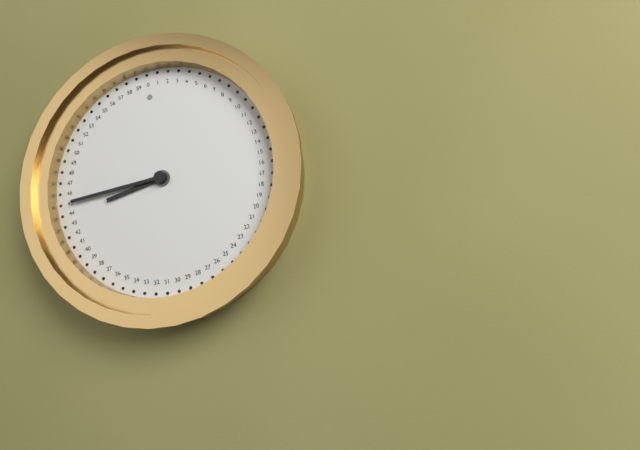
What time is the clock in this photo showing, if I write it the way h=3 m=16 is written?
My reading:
h=8 m=45
